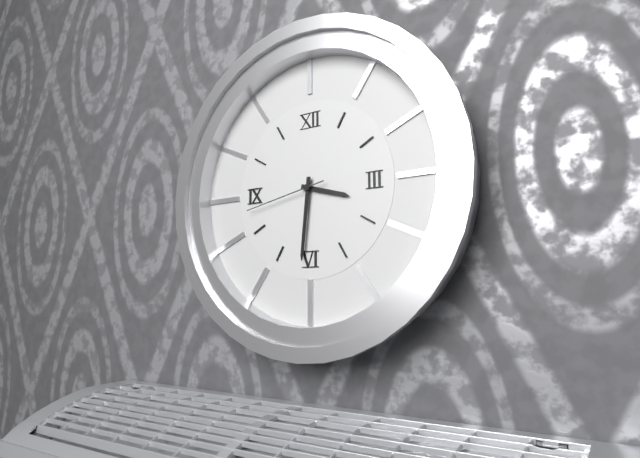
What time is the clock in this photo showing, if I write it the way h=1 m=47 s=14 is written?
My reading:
h=3 m=31 s=43
